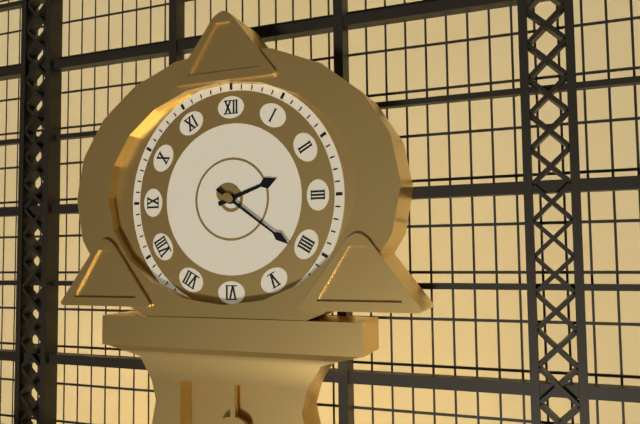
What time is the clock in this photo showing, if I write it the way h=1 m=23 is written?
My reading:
h=2 m=21
